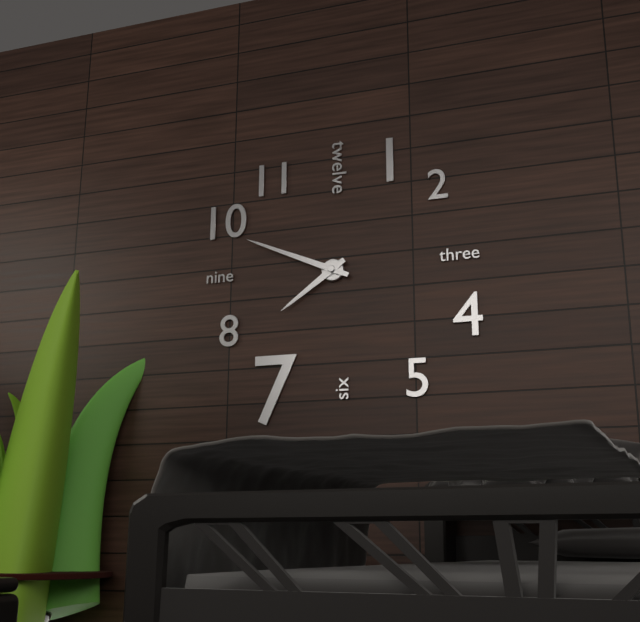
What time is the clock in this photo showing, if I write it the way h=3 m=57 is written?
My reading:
h=7 m=49
